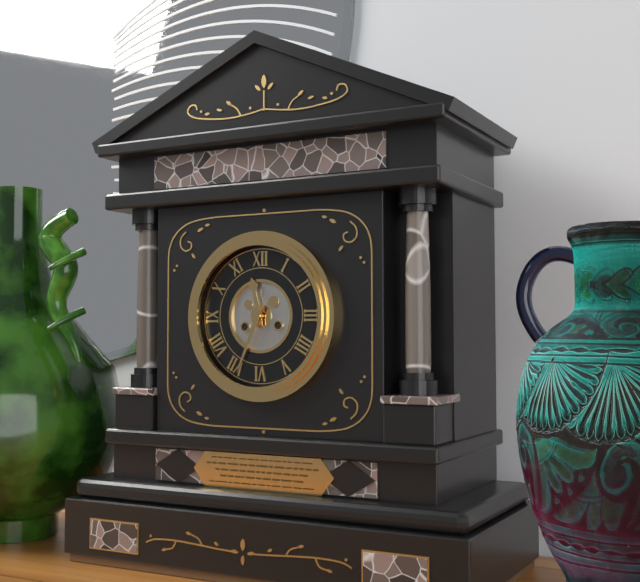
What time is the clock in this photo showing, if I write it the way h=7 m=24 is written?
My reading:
h=11 m=34
